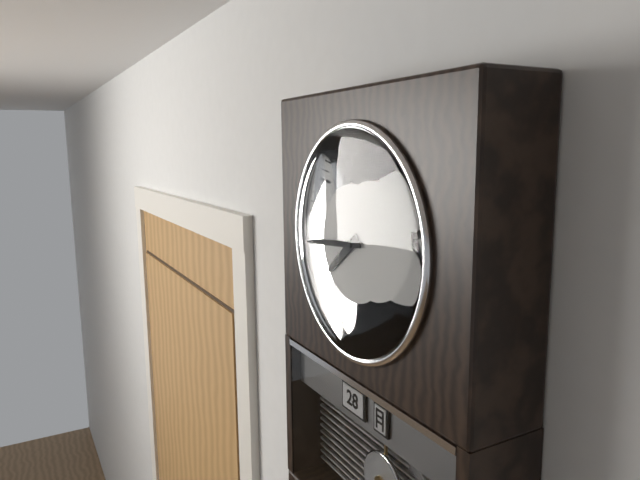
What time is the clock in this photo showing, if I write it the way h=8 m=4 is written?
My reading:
h=7 m=44
